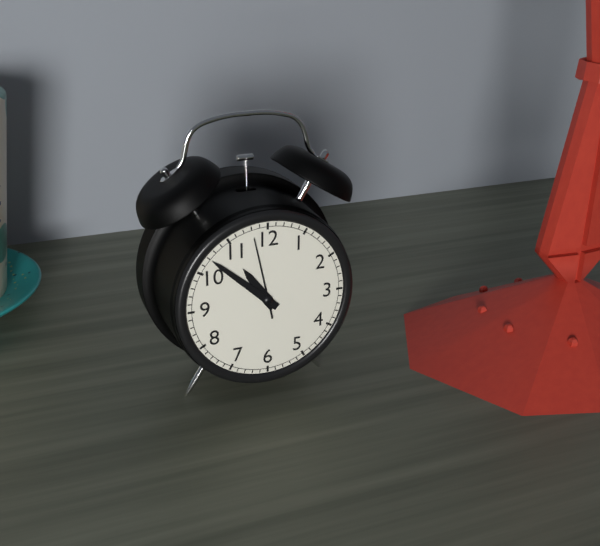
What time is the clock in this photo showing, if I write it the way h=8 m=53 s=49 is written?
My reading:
h=10 m=52 s=58
